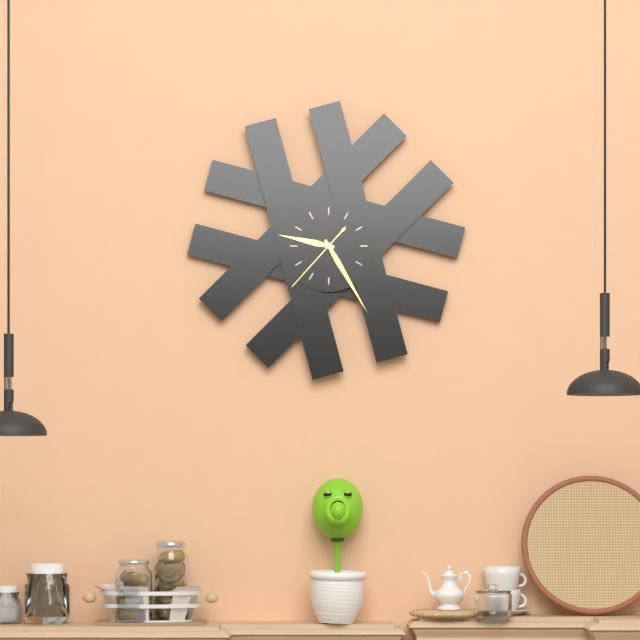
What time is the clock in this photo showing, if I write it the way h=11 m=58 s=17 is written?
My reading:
h=9 m=25 s=37
